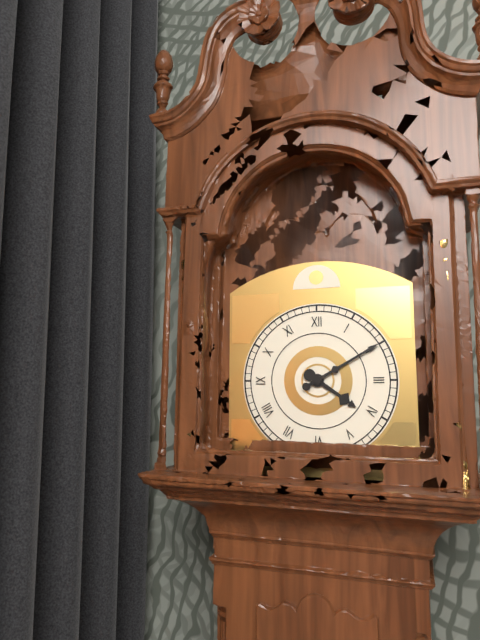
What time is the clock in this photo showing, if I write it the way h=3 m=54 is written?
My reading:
h=4 m=10
